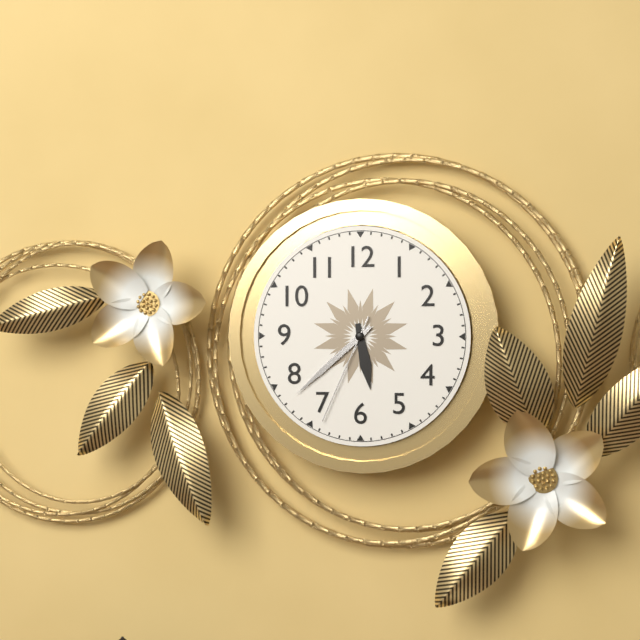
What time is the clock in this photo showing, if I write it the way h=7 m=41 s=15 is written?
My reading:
h=5 m=38 s=34
